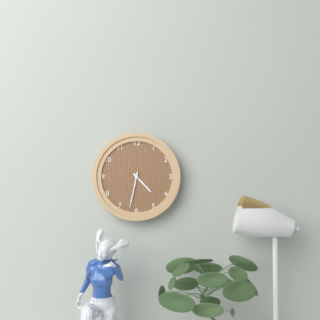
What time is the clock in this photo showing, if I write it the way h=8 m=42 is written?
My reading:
h=4 m=32
